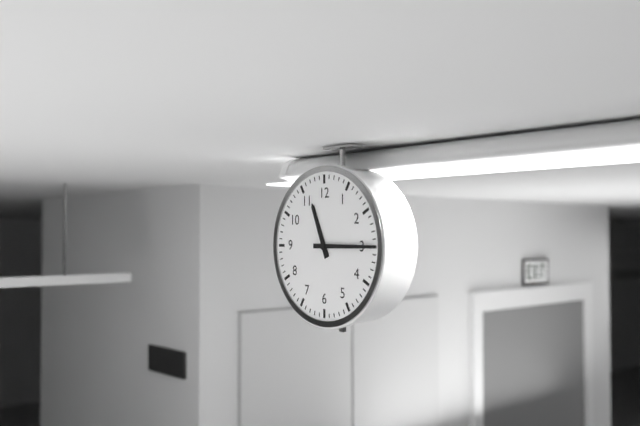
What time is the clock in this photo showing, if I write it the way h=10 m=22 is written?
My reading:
h=11 m=15
